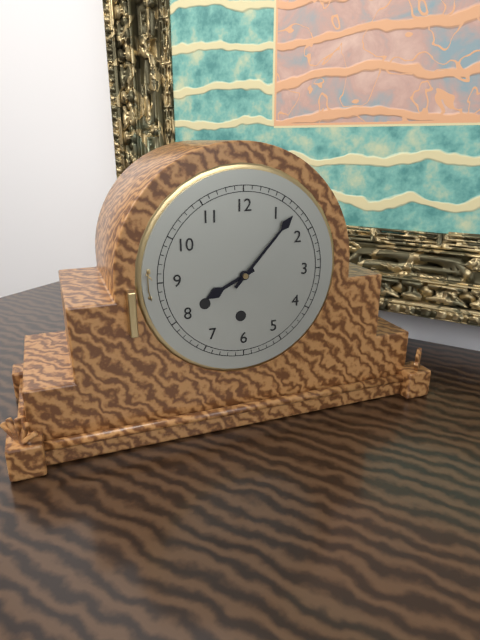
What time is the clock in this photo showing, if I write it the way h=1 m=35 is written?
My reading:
h=8 m=7
